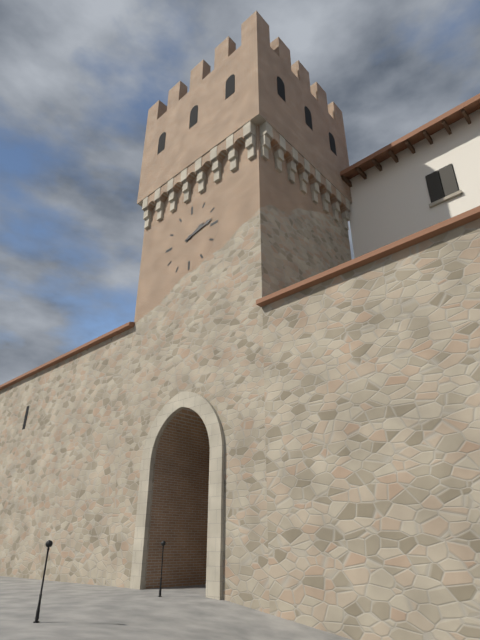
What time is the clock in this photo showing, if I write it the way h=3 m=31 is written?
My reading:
h=2 m=13
